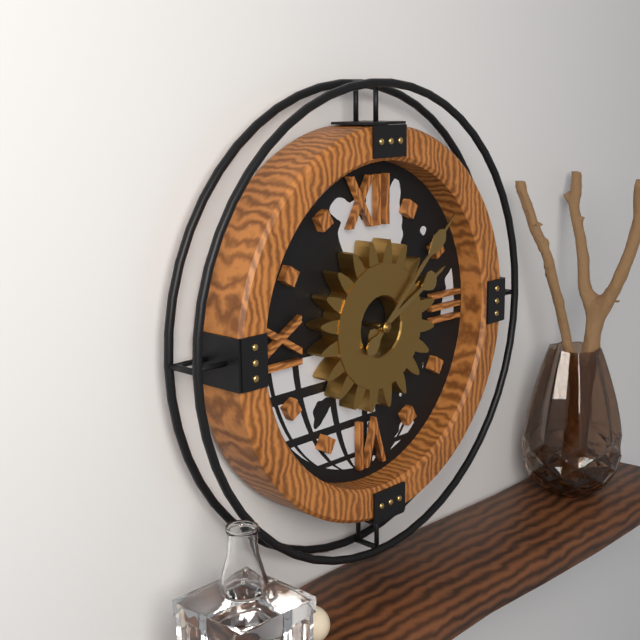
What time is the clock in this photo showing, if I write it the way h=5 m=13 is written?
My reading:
h=2 m=8
